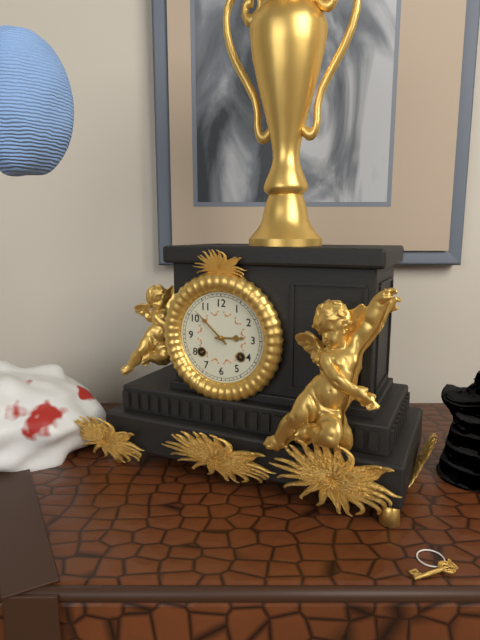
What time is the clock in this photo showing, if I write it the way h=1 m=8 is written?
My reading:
h=2 m=52
